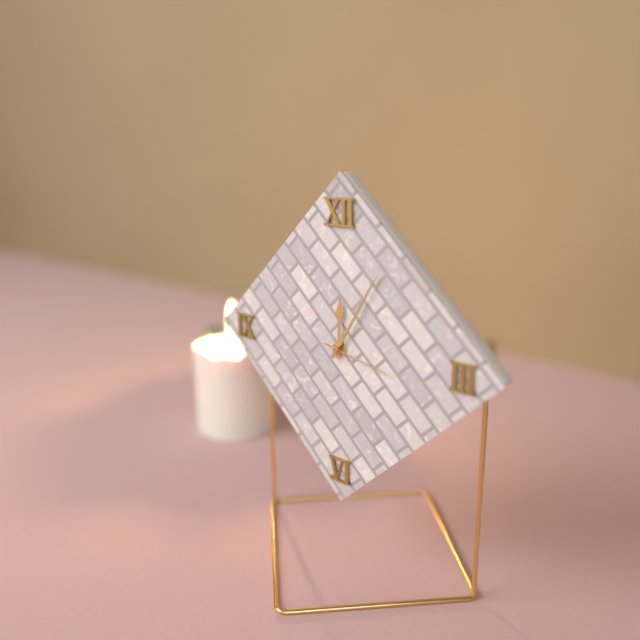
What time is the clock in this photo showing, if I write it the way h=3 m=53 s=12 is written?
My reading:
h=12 m=5 s=17
